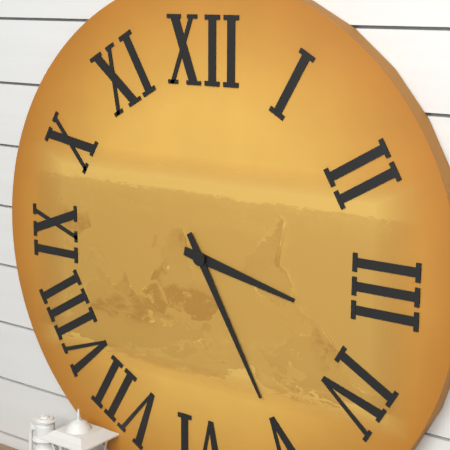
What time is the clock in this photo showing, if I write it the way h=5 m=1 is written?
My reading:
h=3 m=25
